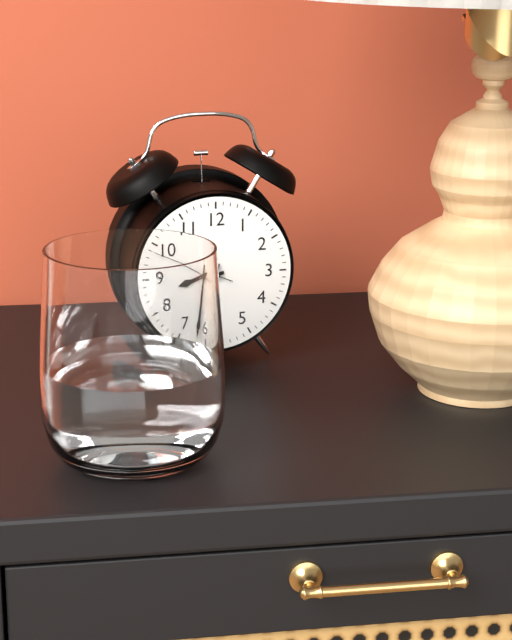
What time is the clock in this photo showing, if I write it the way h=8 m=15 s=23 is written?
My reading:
h=8 m=32 s=49
